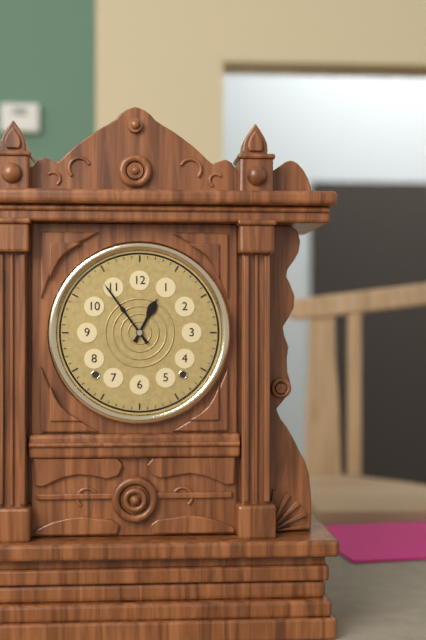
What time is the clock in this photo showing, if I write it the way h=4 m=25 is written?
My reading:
h=12 m=54
